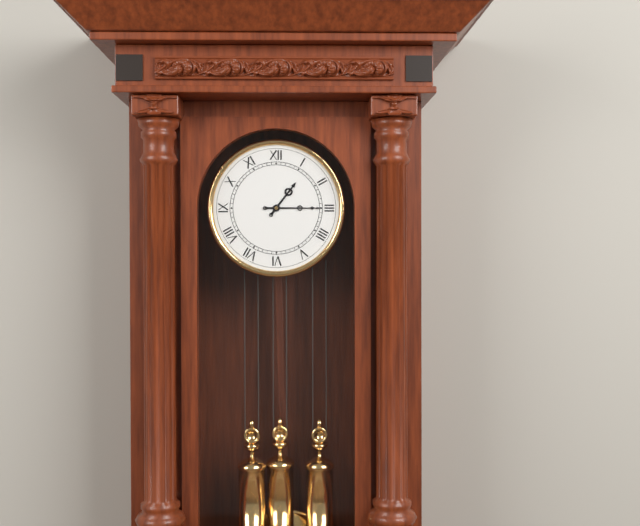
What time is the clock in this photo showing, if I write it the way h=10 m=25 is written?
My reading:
h=1 m=15
